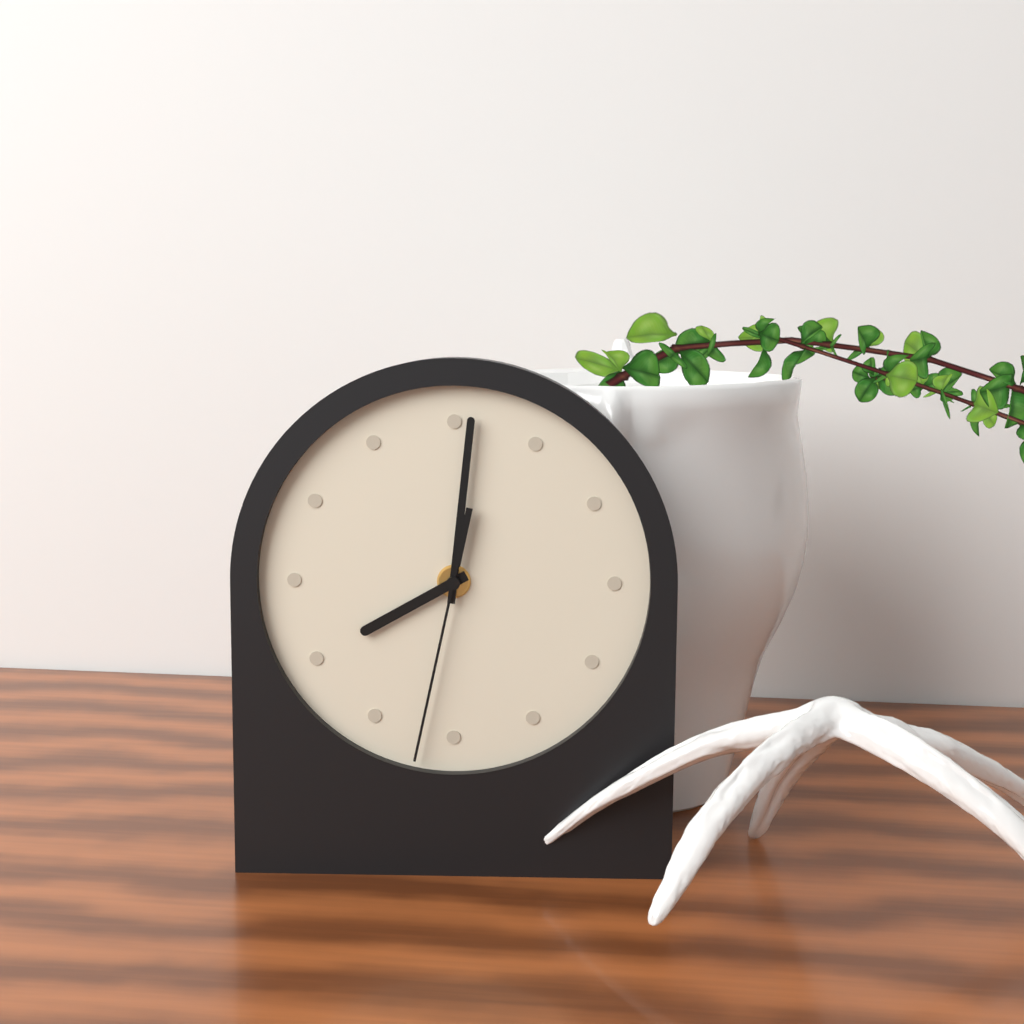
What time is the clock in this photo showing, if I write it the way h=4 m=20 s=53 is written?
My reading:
h=8 m=1 s=32
